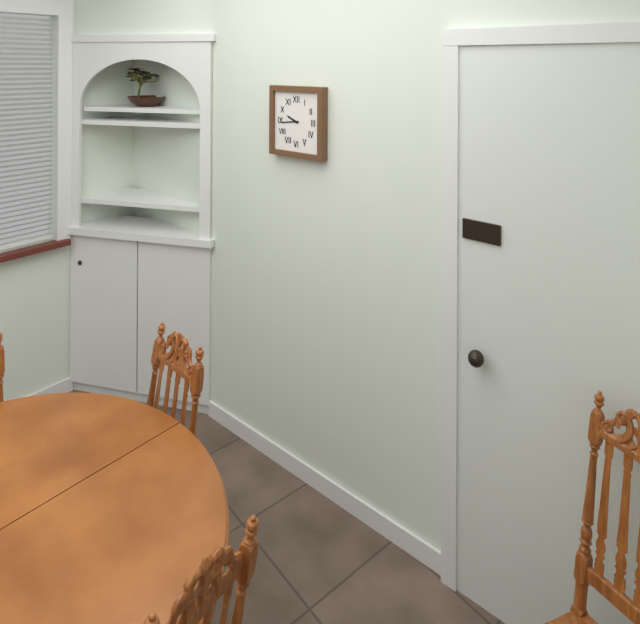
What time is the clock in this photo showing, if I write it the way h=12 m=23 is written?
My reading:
h=9 m=44
